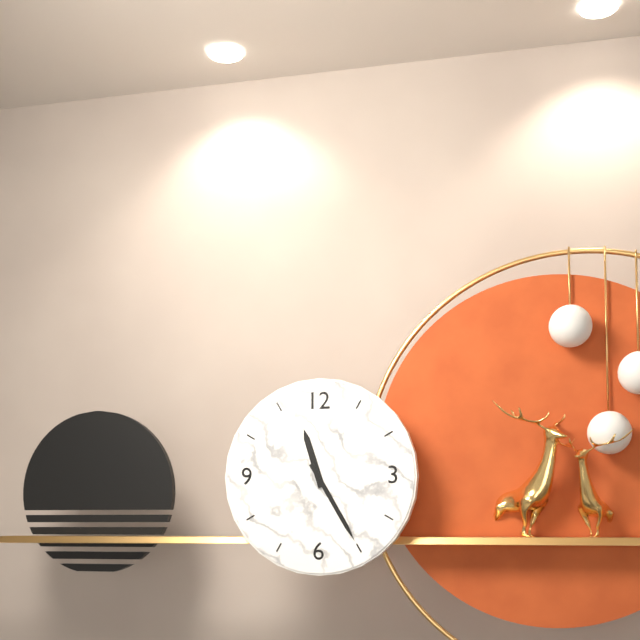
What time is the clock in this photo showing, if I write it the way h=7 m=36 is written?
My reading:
h=11 m=25
